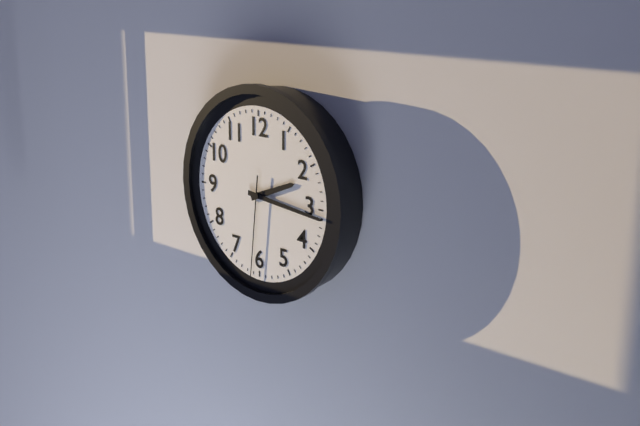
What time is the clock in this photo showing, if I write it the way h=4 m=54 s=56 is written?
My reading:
h=2 m=16 s=31
